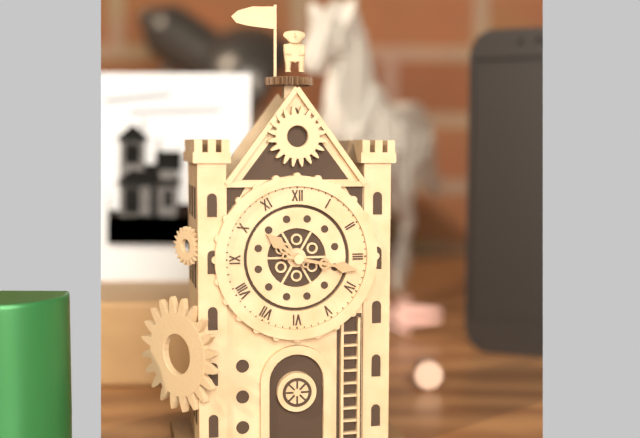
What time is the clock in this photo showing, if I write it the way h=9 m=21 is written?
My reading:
h=10 m=17
